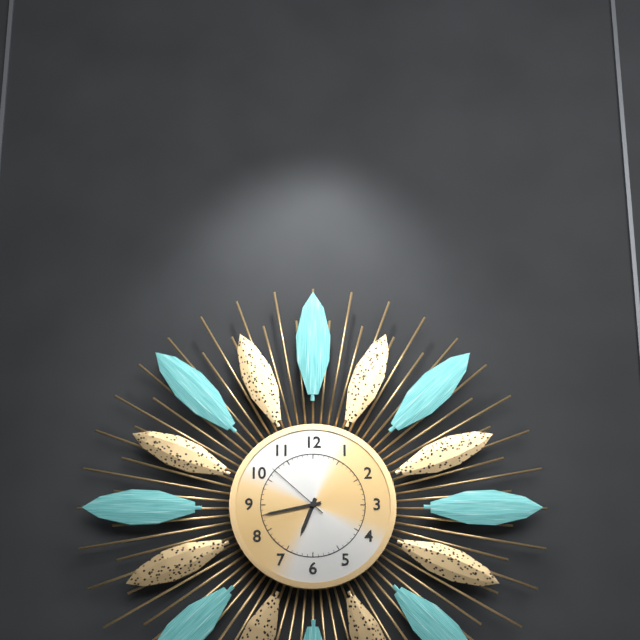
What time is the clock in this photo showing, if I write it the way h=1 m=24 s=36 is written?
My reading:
h=6 m=43 s=52
